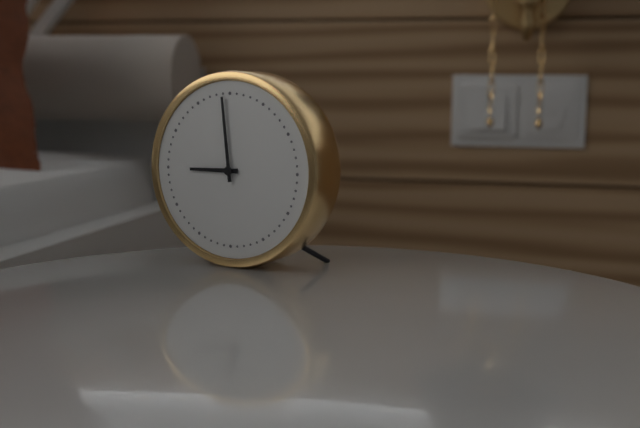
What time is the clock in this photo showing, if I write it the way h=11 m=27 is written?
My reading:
h=8 m=59
